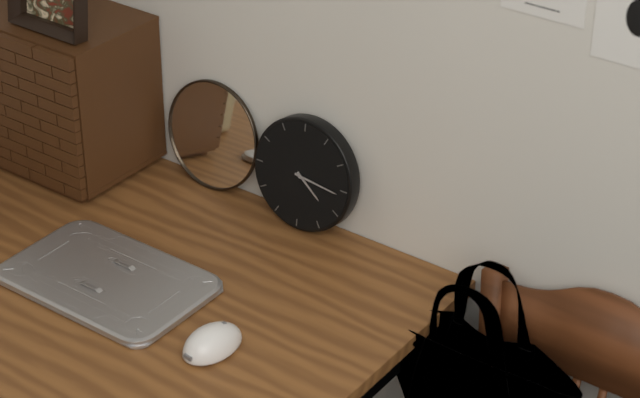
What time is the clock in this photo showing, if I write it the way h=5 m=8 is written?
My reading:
h=4 m=16
